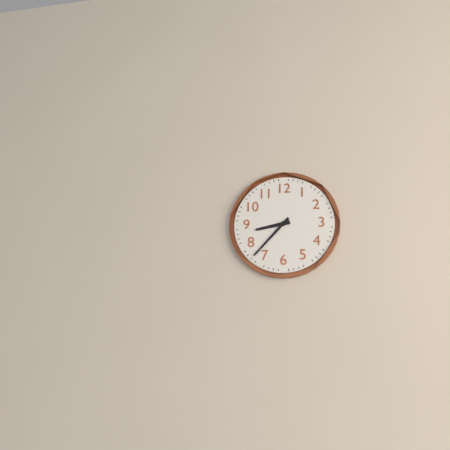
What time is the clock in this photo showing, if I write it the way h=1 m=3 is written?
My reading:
h=8 m=37
